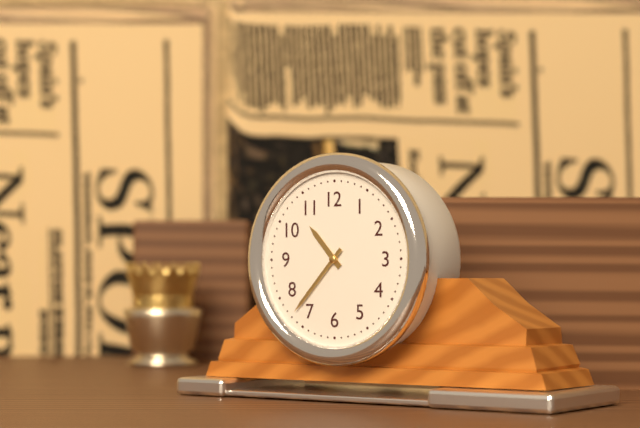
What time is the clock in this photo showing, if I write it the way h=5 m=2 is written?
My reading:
h=10 m=37
